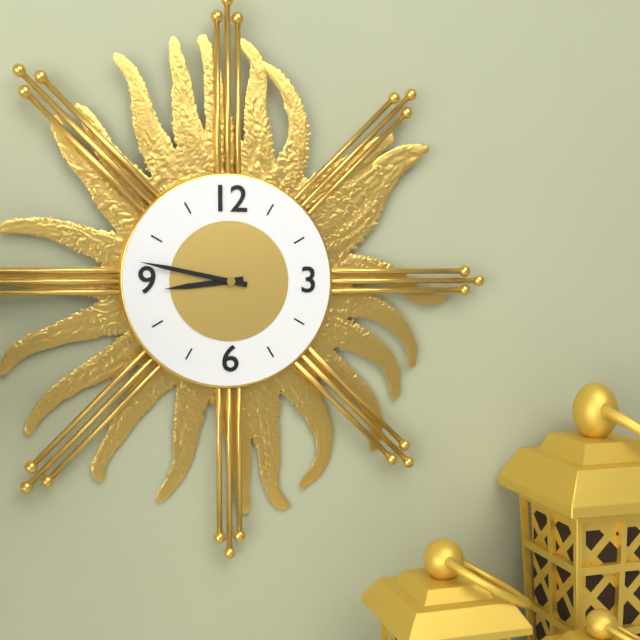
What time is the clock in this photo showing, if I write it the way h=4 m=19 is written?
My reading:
h=8 m=47
